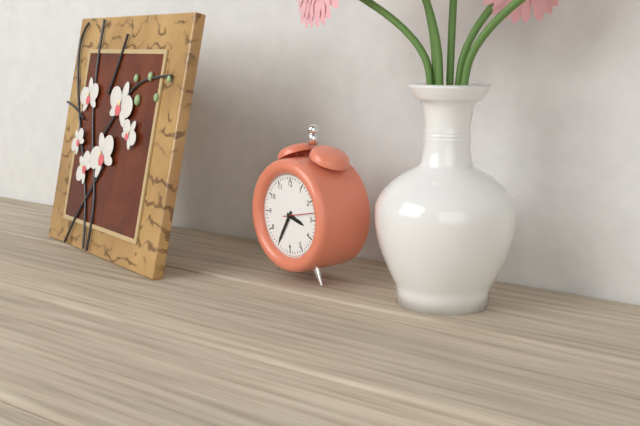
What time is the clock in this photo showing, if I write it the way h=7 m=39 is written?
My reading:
h=3 m=35
